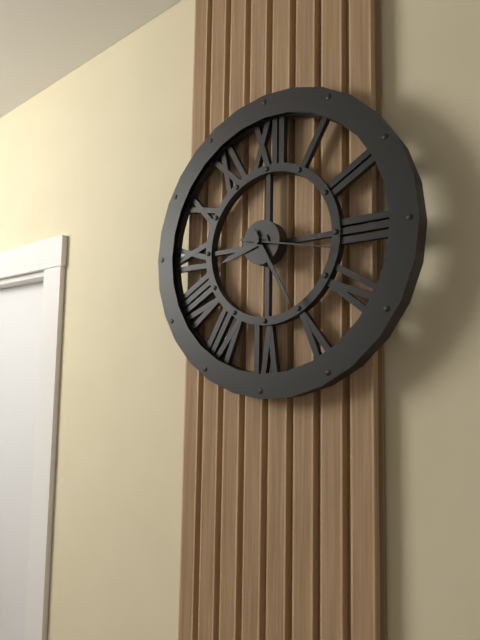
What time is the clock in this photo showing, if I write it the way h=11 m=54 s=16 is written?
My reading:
h=8 m=25 s=17
